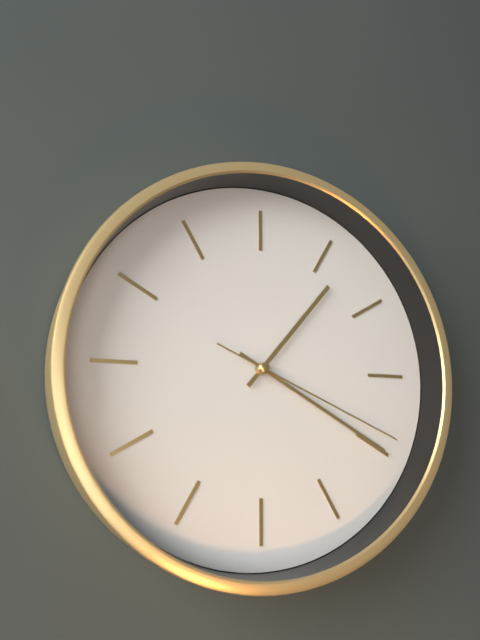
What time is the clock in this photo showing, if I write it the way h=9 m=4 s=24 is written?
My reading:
h=1 m=20 s=19
